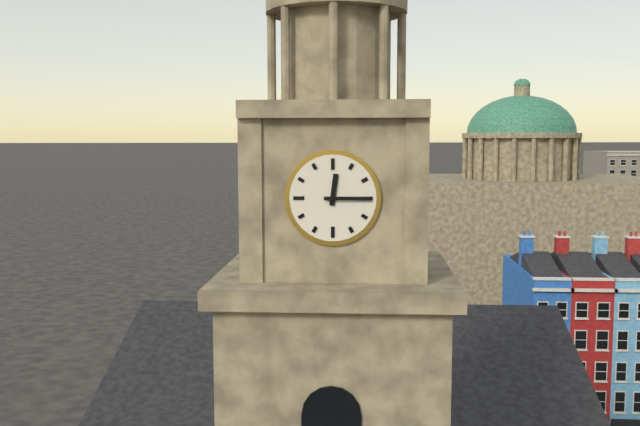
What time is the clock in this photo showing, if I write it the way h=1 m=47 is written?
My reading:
h=12 m=15
